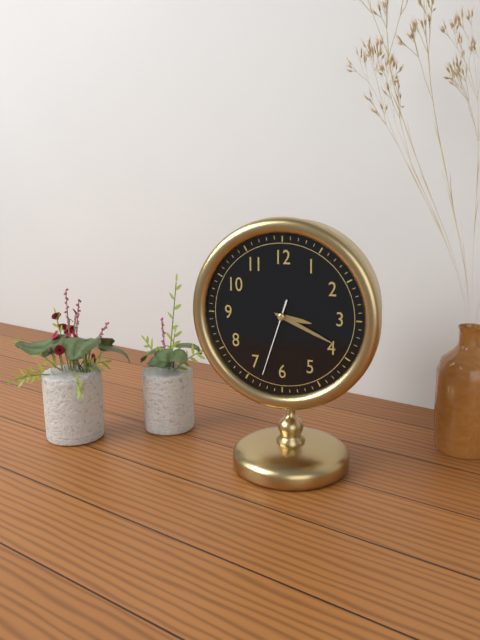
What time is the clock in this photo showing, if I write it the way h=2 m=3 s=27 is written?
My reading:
h=3 m=19 s=33
